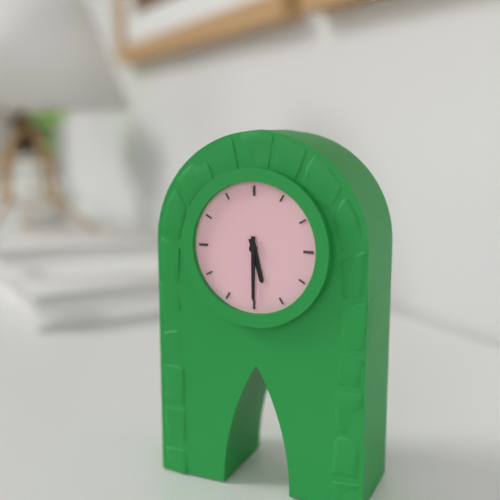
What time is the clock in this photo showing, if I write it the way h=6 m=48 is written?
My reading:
h=5 m=30
